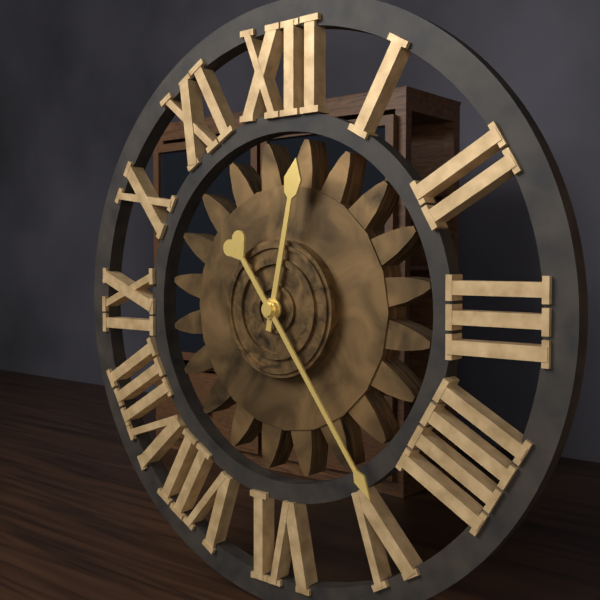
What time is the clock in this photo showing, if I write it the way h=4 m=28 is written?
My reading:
h=12 m=24
